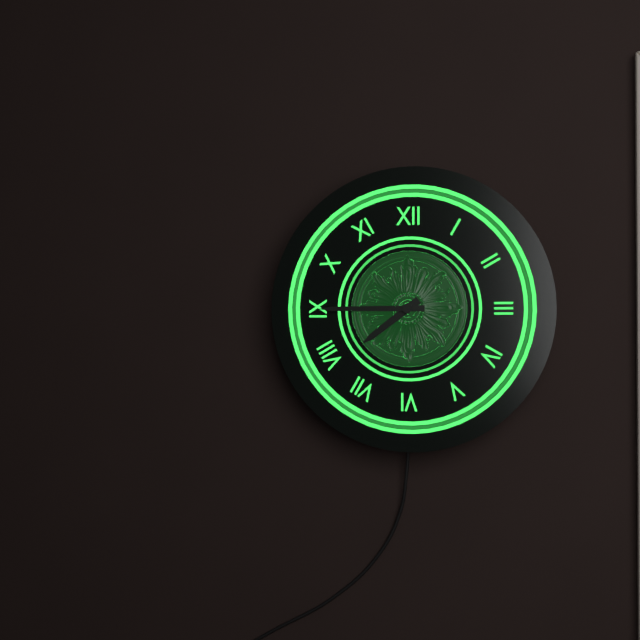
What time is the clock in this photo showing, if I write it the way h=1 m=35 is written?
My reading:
h=7 m=45
